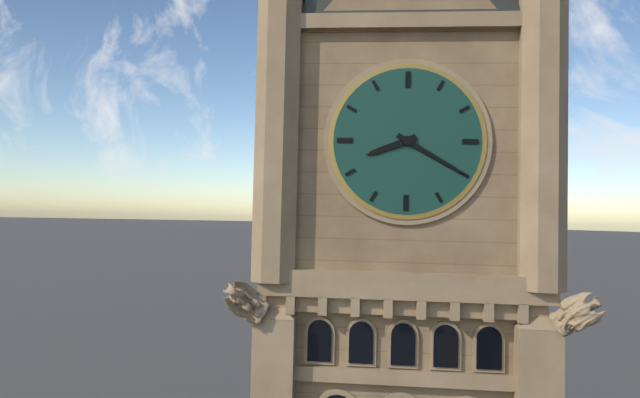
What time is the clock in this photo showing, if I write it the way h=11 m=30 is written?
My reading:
h=8 m=20
